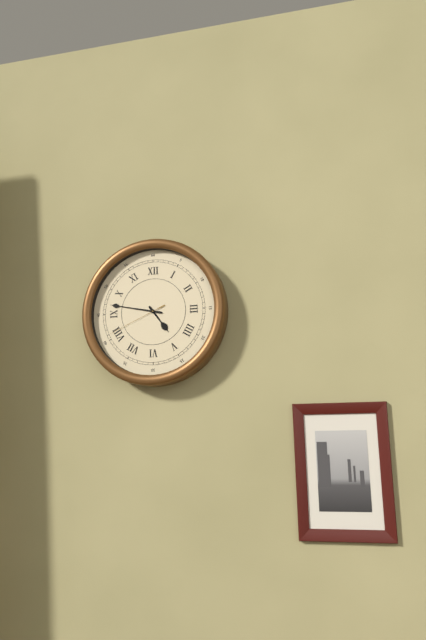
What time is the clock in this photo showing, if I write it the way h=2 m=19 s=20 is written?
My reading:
h=4 m=47 s=41
